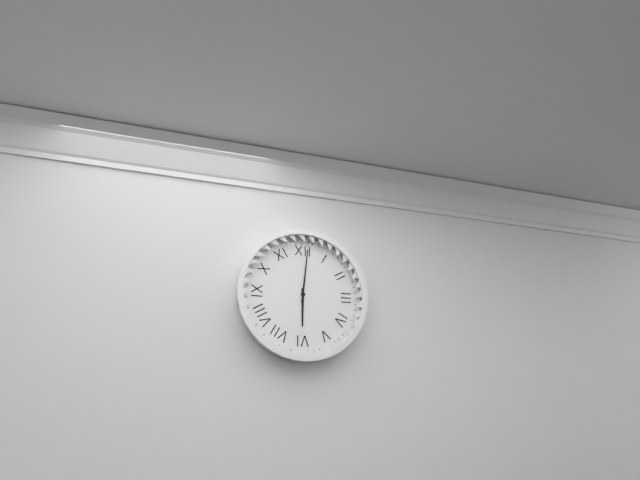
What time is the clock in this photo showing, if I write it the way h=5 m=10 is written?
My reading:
h=6 m=1
